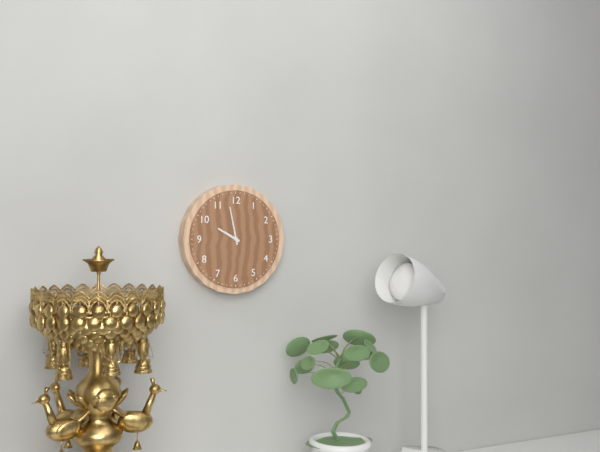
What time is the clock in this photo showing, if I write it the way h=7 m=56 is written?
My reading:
h=9 m=58
